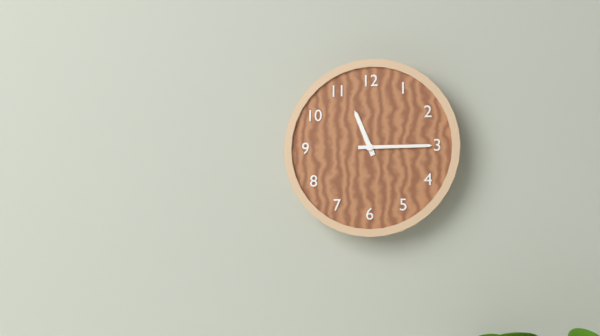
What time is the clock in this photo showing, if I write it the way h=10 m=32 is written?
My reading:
h=11 m=15
